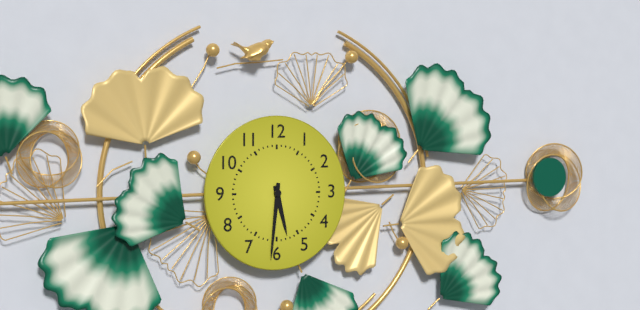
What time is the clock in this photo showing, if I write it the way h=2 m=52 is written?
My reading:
h=5 m=31
